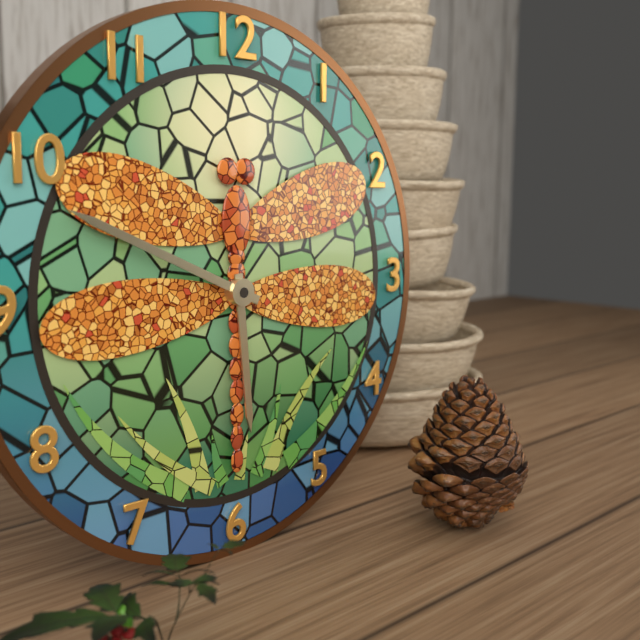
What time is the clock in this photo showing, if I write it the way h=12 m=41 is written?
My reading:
h=5 m=49
